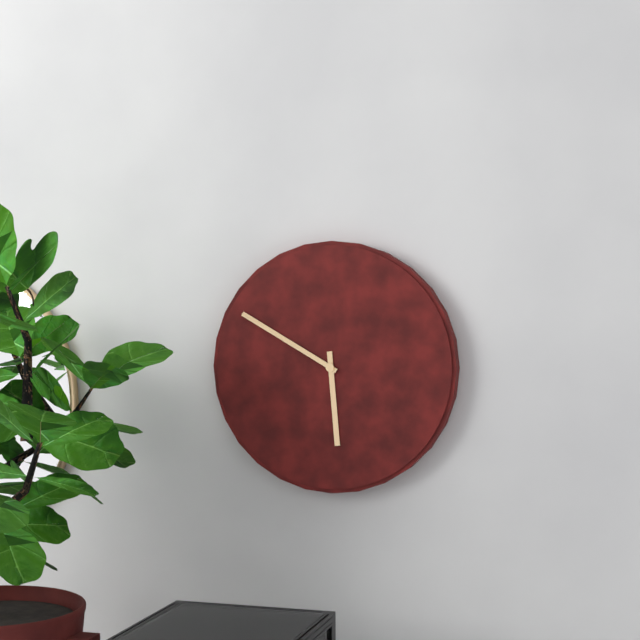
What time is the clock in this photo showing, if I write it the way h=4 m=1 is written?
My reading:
h=5 m=50
